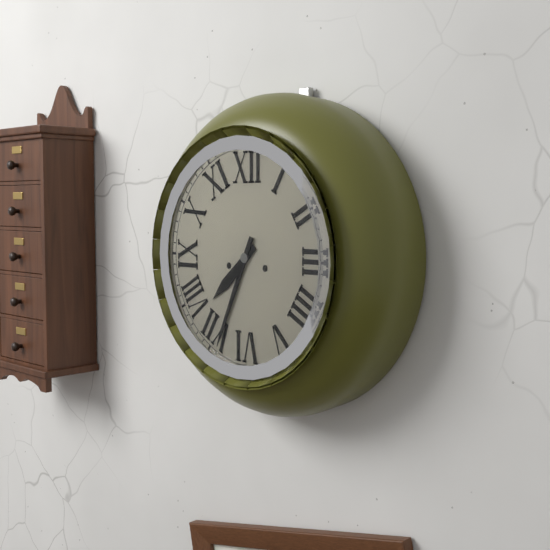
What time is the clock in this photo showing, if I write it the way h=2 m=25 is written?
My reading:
h=7 m=34
